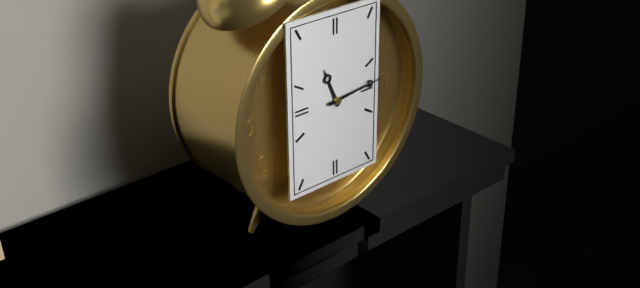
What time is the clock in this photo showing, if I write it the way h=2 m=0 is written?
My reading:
h=11 m=14
